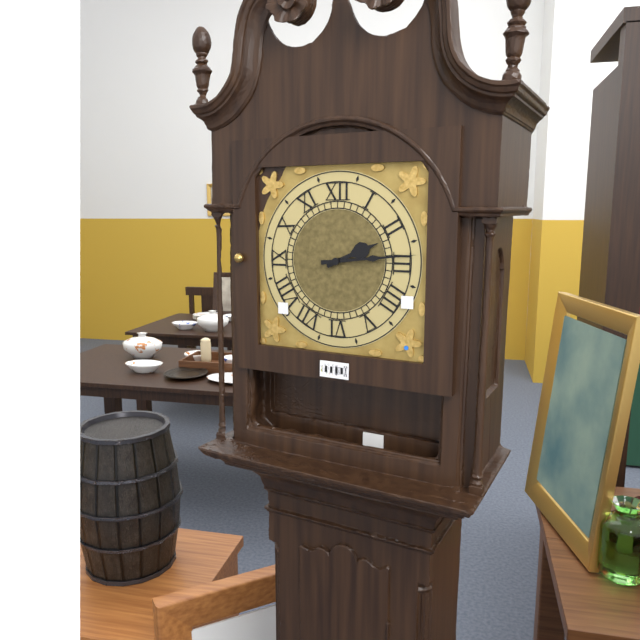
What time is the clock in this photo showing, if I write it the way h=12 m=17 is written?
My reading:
h=2 m=14
